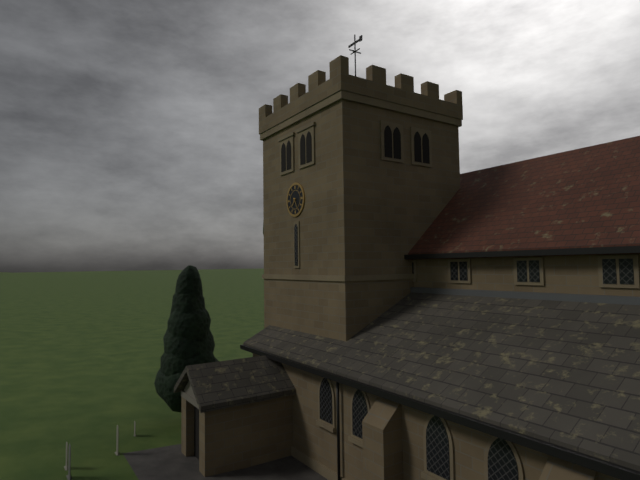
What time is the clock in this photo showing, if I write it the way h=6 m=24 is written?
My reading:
h=7 m=25
